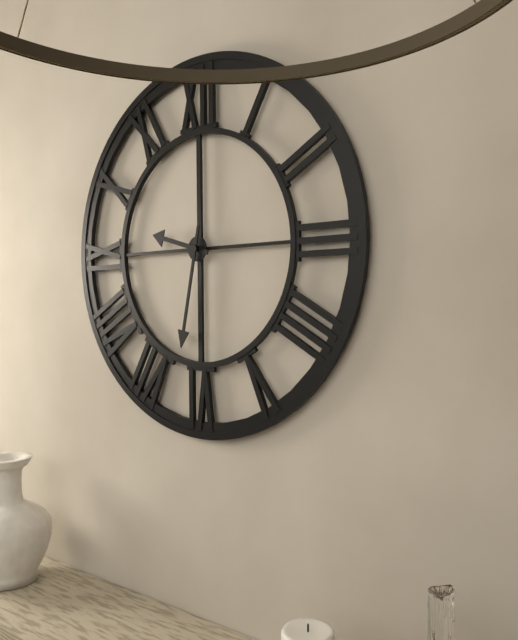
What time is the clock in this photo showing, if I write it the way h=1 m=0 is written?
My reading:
h=9 m=32
